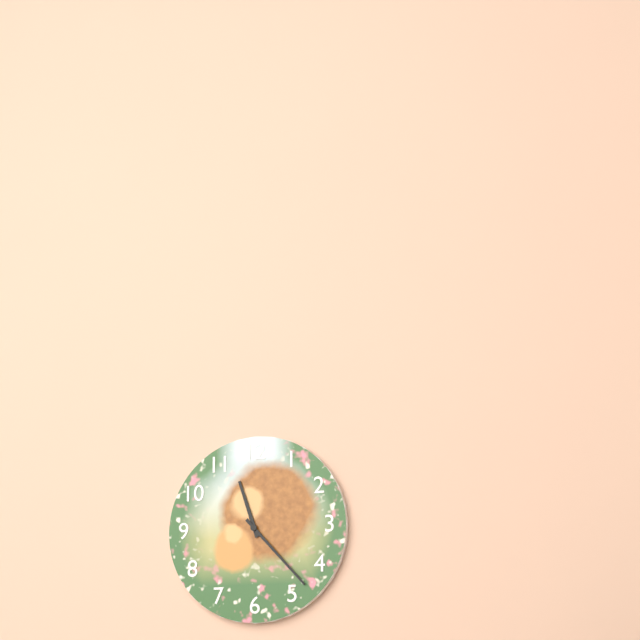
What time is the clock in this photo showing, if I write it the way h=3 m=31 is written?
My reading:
h=11 m=23
